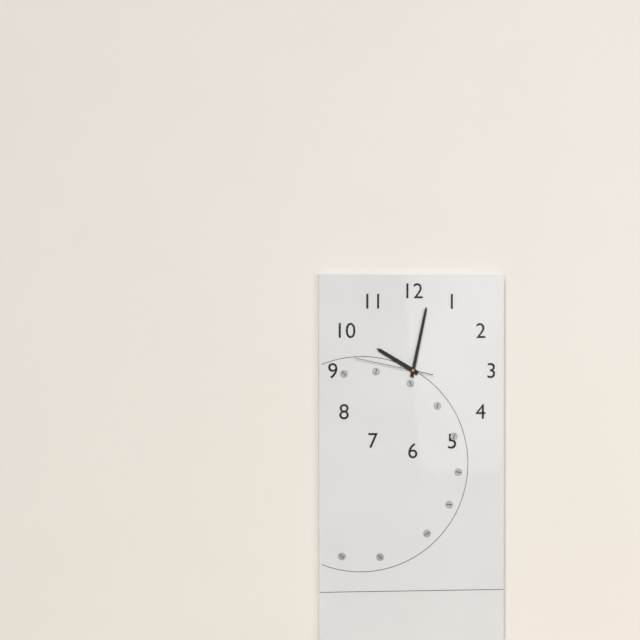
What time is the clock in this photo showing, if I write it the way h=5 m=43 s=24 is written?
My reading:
h=10 m=2 s=47
